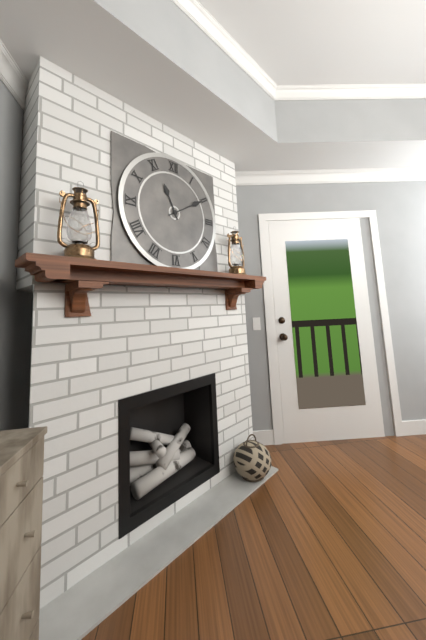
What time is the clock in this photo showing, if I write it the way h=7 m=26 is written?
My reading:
h=11 m=10
